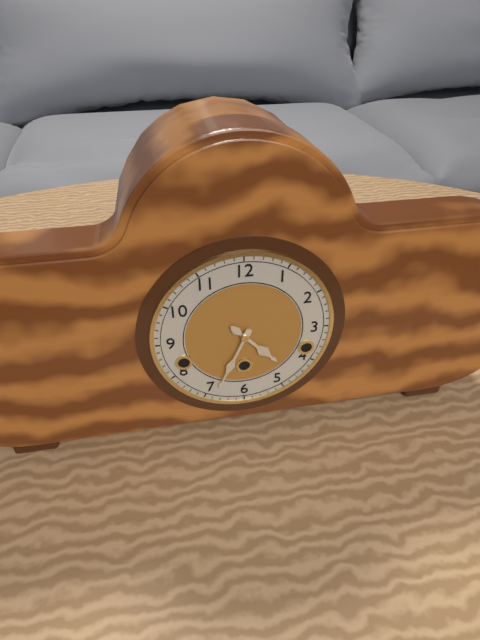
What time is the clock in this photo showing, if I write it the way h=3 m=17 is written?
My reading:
h=4 m=34
